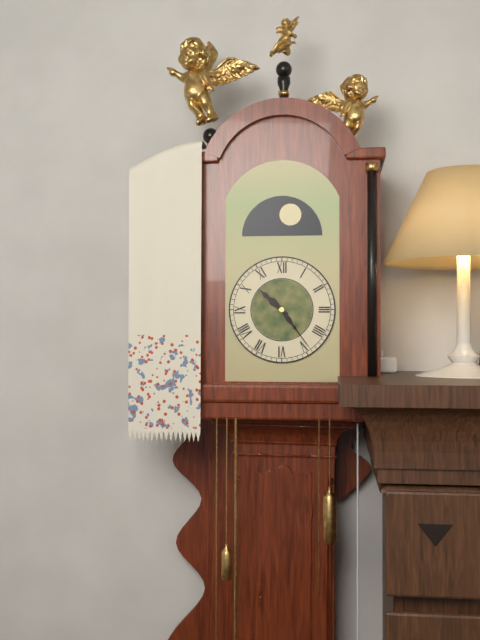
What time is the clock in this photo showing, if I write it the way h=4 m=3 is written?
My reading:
h=10 m=24
